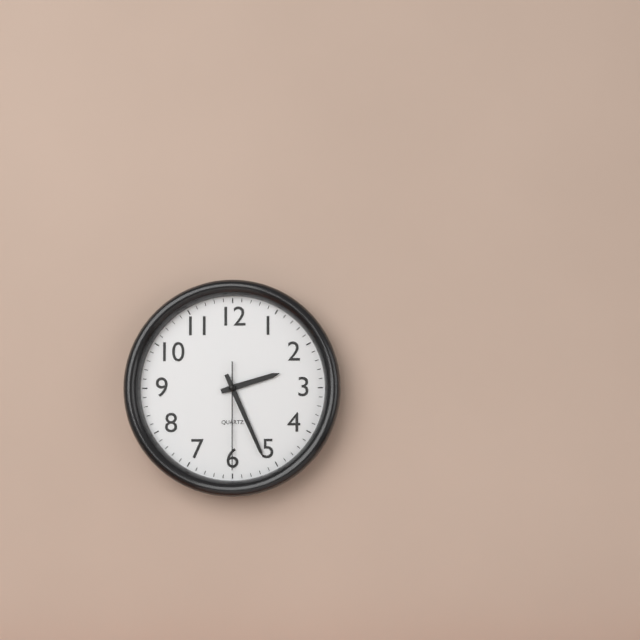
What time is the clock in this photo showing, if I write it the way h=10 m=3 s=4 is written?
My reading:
h=2 m=26 s=30
